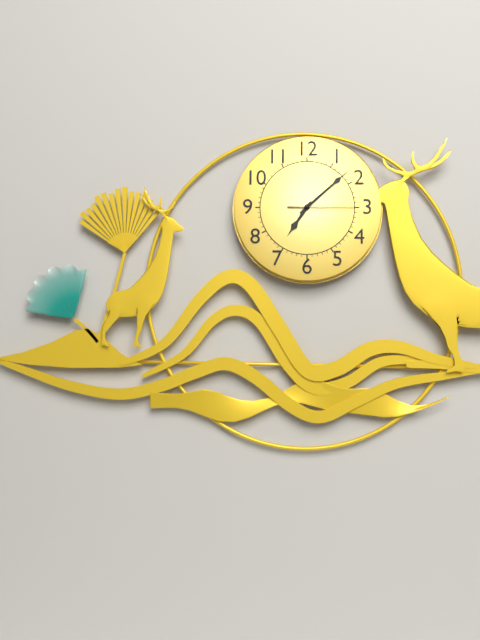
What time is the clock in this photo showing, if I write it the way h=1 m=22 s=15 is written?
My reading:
h=7 m=8 s=15
